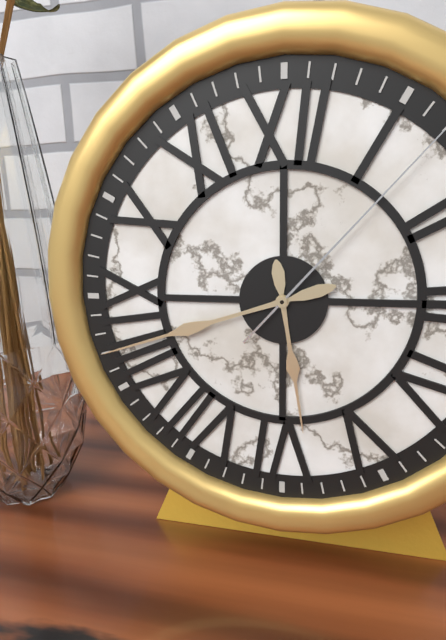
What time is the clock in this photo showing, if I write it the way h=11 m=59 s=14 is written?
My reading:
h=5 m=42 s=7
